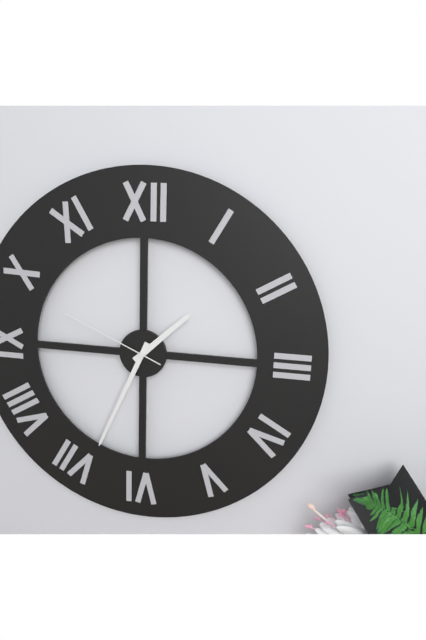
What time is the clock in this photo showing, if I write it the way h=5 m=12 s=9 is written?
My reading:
h=1 m=34 s=49
